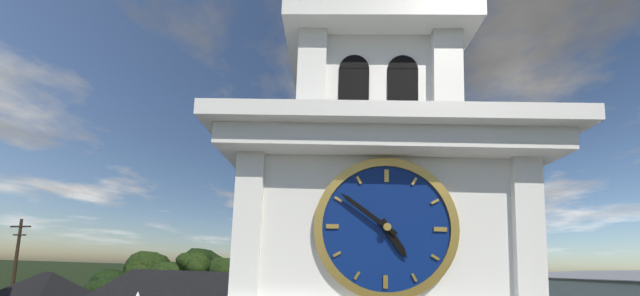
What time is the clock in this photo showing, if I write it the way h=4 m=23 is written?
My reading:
h=4 m=51
